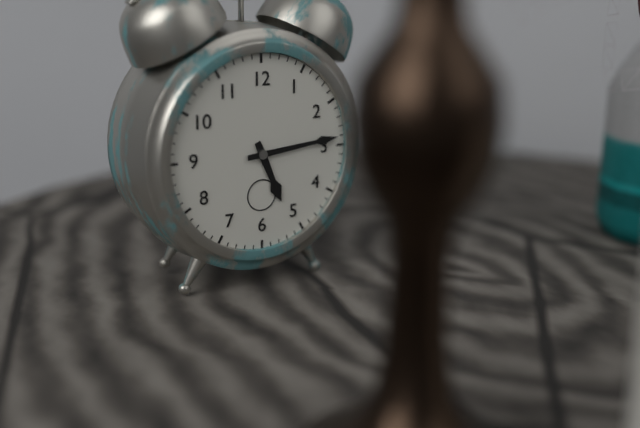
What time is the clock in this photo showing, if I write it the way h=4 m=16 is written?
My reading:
h=5 m=14
